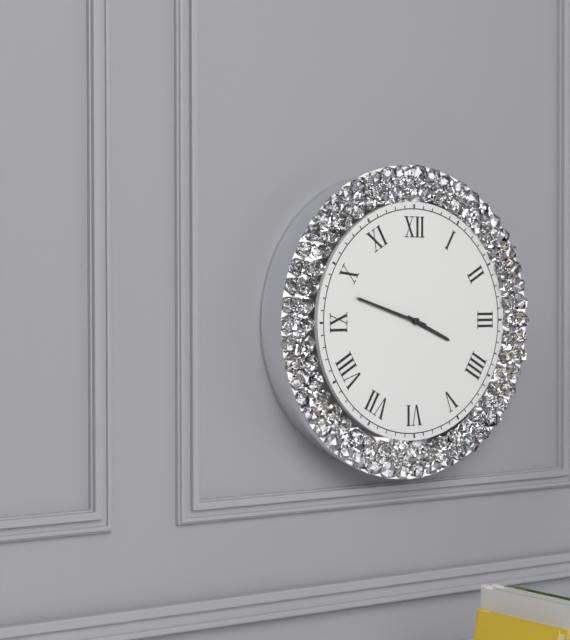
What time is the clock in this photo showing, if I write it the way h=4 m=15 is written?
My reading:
h=3 m=48
